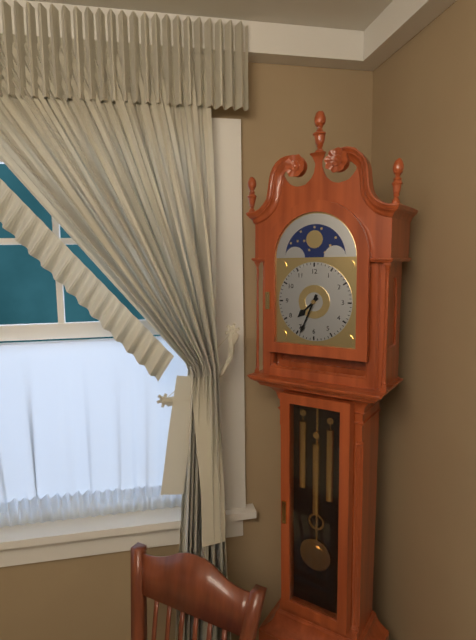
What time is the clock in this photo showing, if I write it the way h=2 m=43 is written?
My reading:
h=7 m=34
